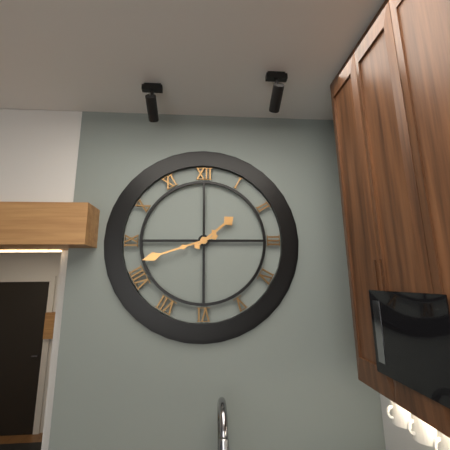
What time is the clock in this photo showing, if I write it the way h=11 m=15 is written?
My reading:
h=1 m=42
